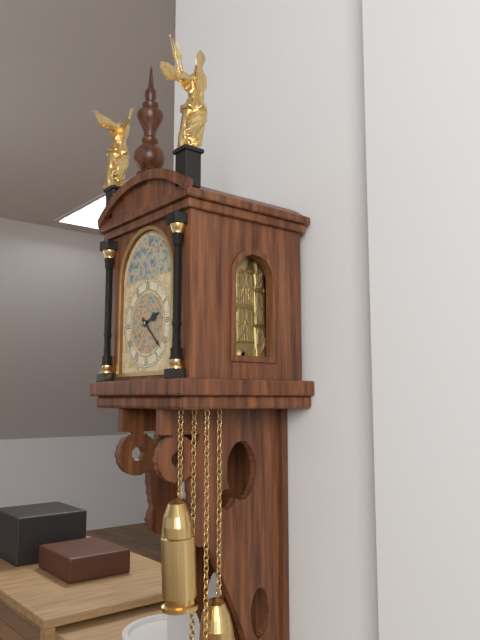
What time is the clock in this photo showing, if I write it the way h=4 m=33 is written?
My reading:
h=2 m=22
